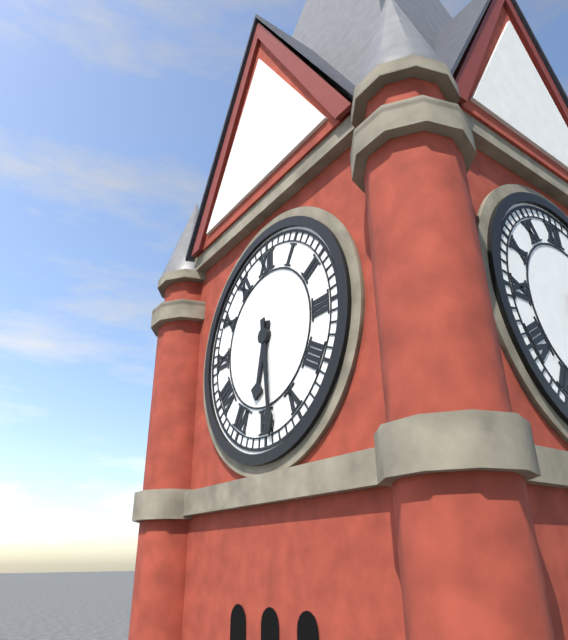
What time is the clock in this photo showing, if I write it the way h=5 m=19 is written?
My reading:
h=6 m=29
